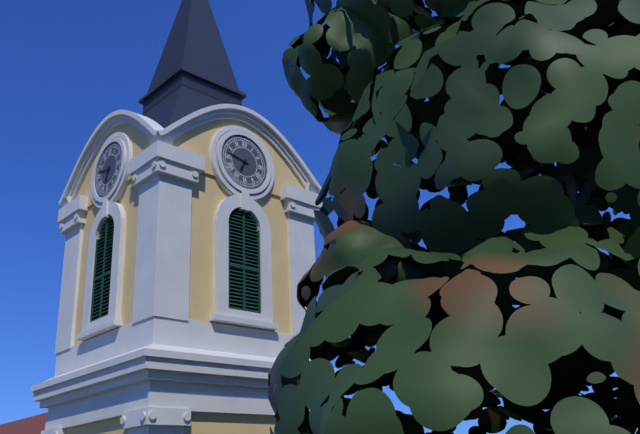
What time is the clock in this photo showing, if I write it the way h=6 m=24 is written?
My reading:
h=6 m=47
